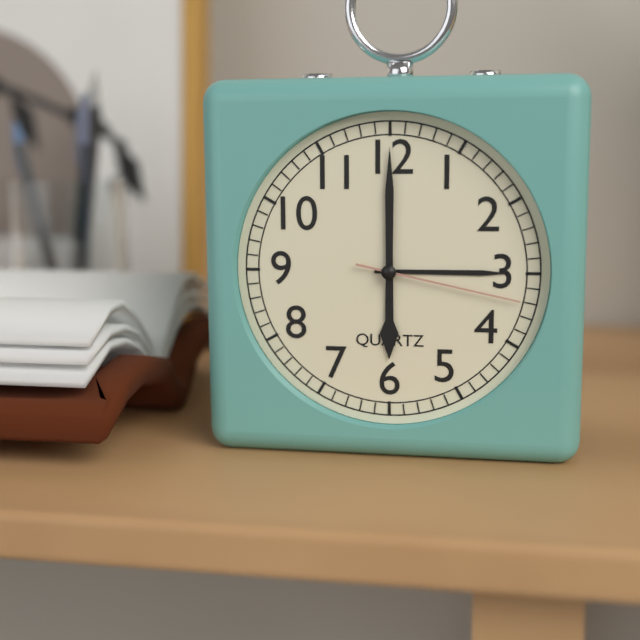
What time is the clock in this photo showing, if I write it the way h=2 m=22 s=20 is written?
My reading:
h=6 m=0 s=17
